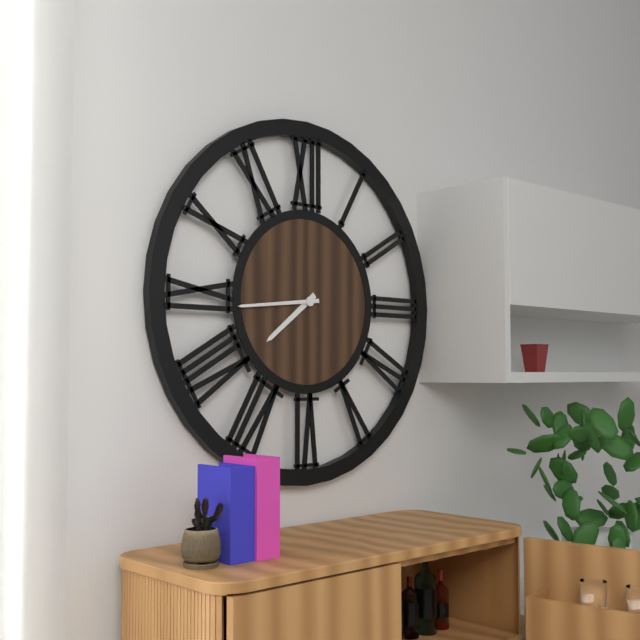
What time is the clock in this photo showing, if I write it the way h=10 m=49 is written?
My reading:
h=7 m=44
